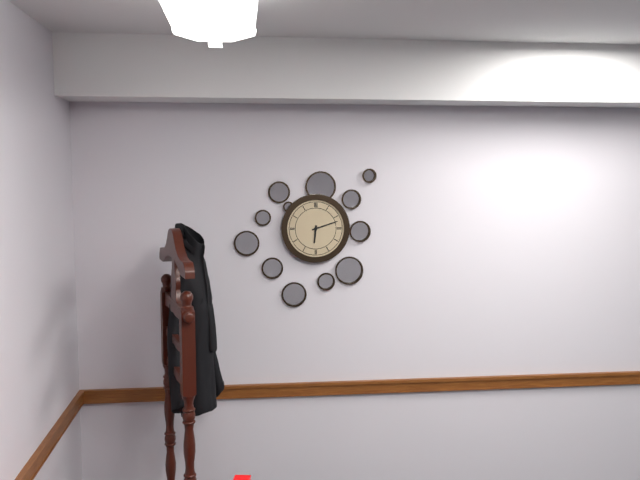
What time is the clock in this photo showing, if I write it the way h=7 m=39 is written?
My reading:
h=6 m=12
